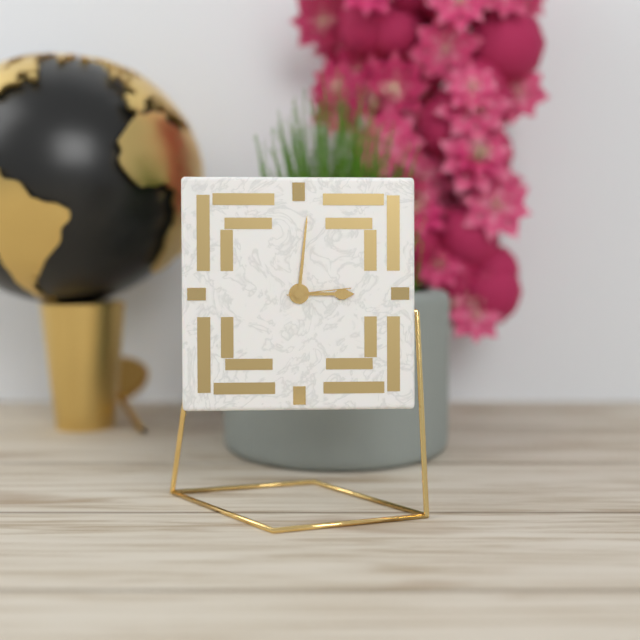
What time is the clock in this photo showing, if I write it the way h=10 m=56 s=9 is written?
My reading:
h=3 m=1 s=14
